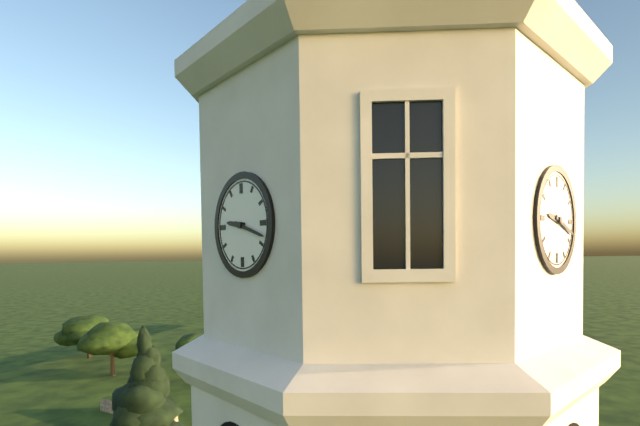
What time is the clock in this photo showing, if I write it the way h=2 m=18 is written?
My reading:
h=9 m=18
